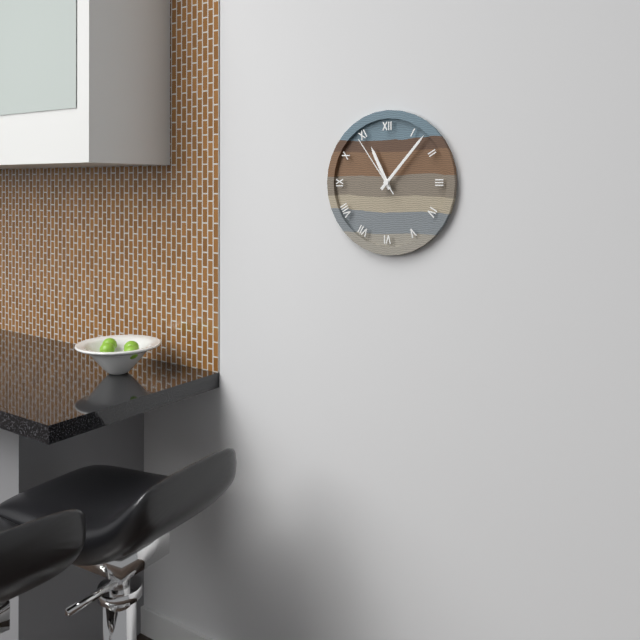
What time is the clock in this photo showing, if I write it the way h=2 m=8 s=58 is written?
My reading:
h=11 m=7 s=54
